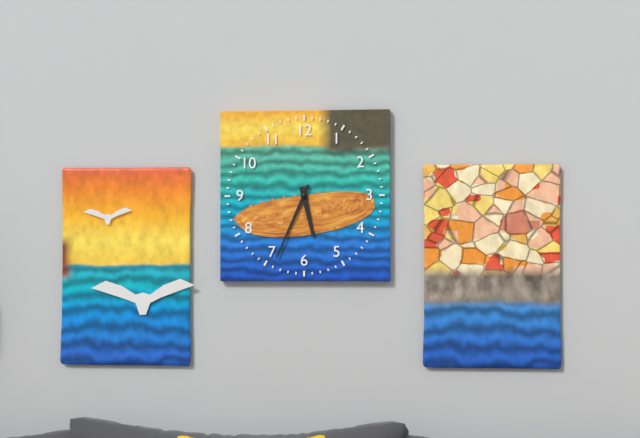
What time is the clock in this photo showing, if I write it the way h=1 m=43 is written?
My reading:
h=5 m=34
